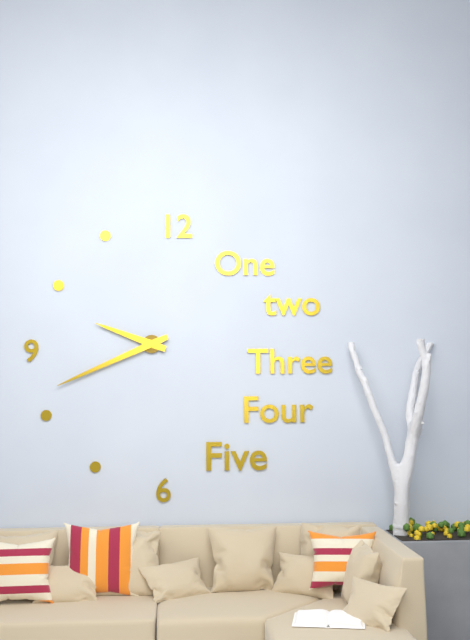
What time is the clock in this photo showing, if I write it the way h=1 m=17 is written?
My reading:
h=9 m=41
